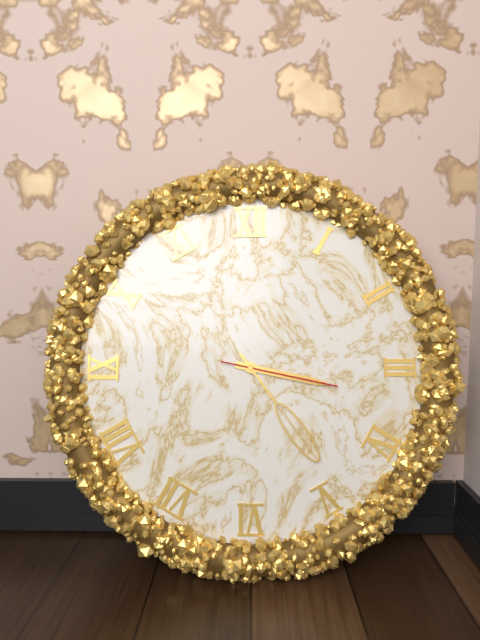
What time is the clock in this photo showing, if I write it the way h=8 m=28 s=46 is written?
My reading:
h=3 m=24 s=17
